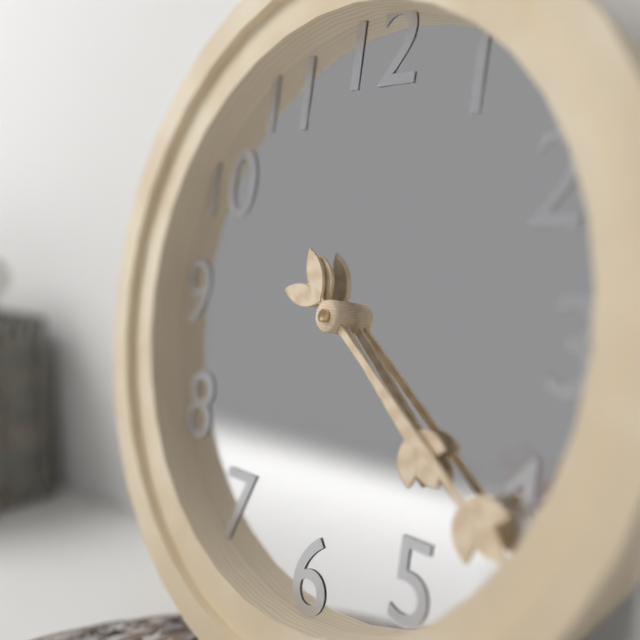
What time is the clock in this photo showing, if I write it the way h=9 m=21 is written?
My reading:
h=4 m=21
